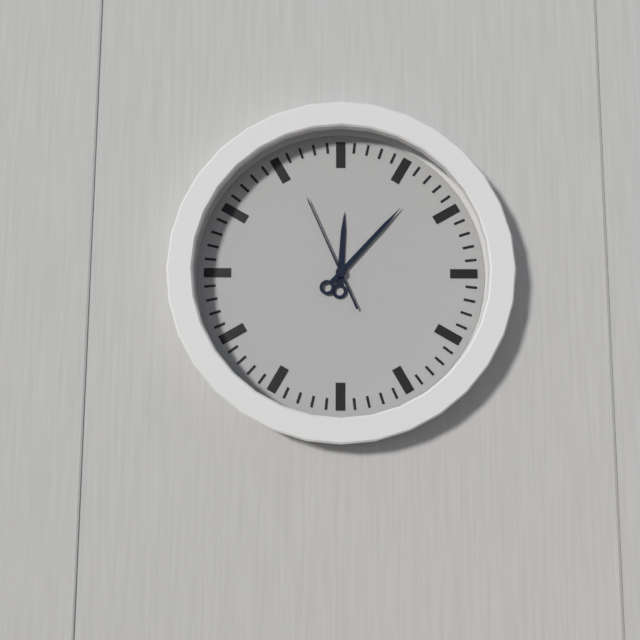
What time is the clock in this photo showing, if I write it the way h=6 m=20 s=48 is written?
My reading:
h=12 m=7 s=56
